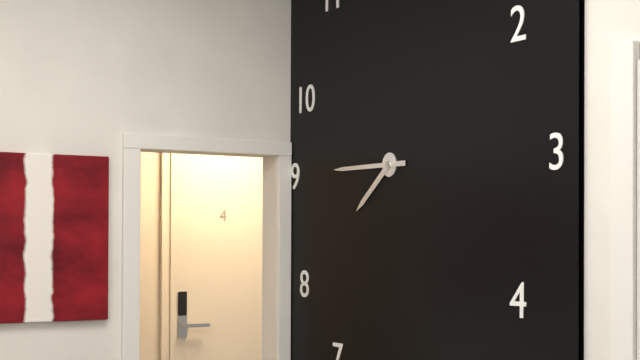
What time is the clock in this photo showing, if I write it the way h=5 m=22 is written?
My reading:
h=7 m=45
